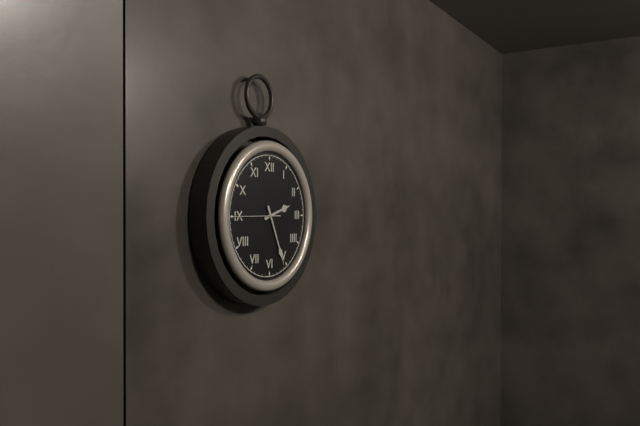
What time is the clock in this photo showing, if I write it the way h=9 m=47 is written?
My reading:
h=2 m=26
